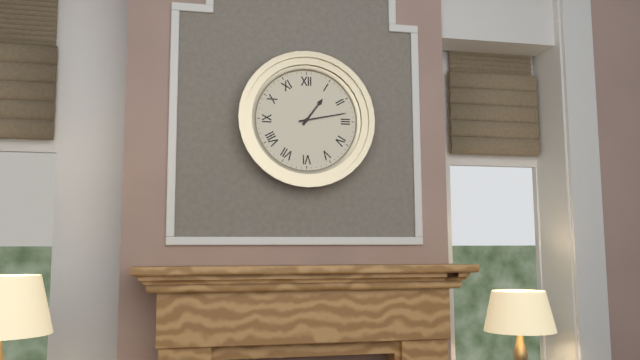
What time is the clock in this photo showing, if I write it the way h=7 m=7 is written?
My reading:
h=1 m=13
